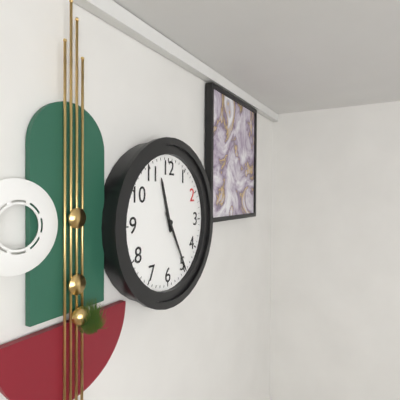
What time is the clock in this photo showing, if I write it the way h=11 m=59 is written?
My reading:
h=11 m=25
